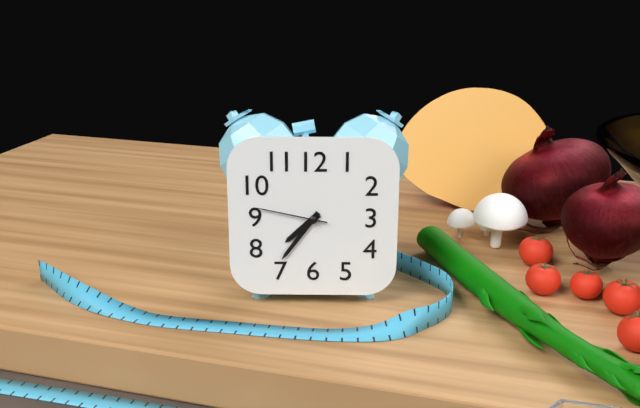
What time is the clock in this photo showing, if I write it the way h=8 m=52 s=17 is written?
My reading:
h=7 m=36 s=47
